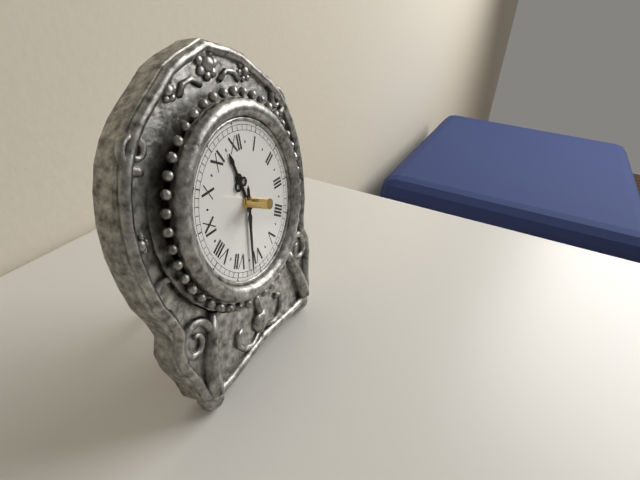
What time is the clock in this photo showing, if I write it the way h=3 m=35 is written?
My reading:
h=11 m=32
